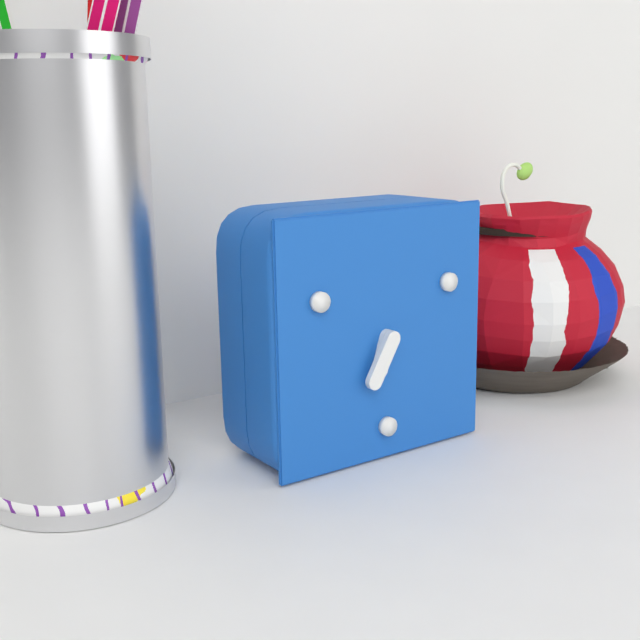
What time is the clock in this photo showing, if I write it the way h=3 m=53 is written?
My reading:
h=6 m=35
